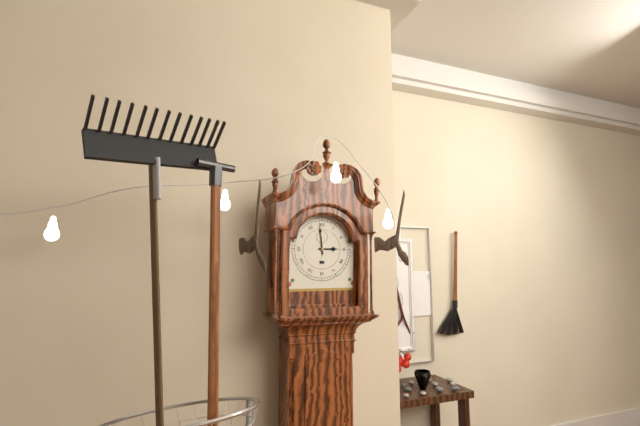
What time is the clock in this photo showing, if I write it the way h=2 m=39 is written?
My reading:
h=2 m=59
